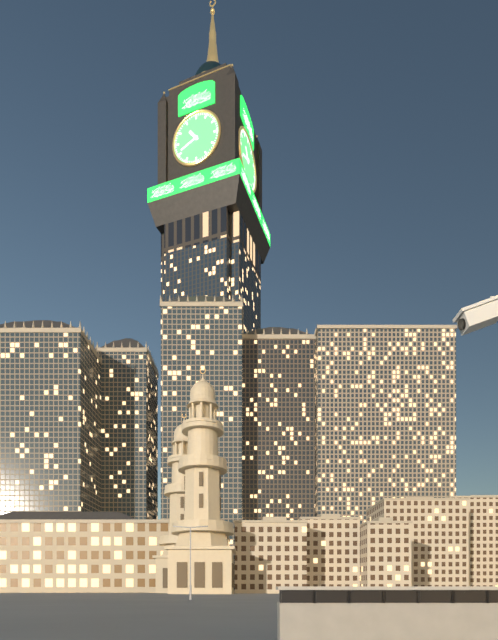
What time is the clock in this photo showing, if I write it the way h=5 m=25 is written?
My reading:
h=10 m=41
